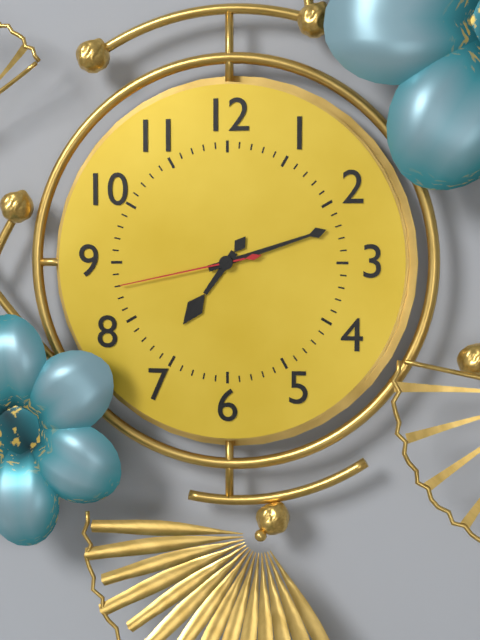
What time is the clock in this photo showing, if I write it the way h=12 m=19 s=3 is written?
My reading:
h=7 m=12 s=43
